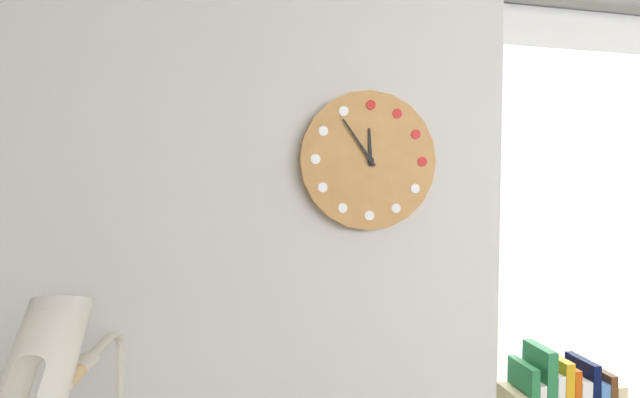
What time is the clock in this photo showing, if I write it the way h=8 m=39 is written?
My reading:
h=11 m=54
